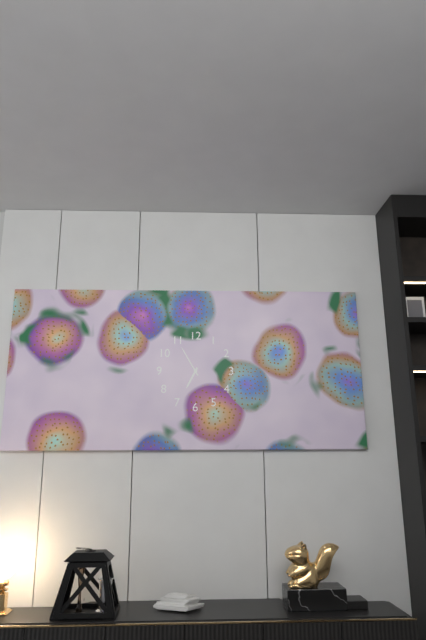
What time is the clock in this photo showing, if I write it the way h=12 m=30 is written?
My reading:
h=6 m=55
